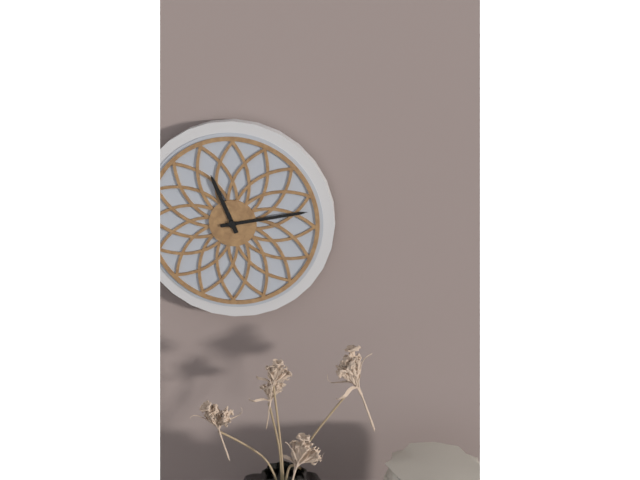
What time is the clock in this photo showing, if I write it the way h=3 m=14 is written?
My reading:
h=11 m=13
